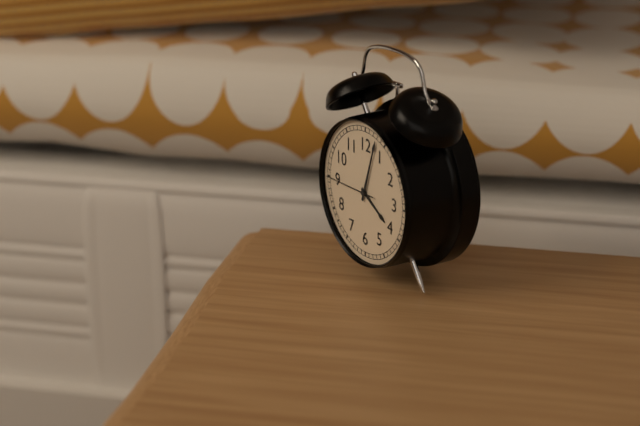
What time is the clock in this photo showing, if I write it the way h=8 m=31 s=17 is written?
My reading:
h=4 m=3 s=45
